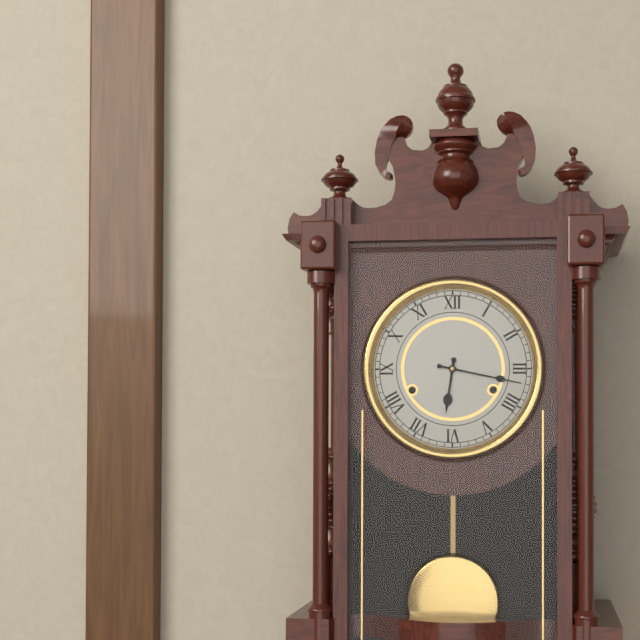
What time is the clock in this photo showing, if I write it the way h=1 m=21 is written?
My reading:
h=6 m=17
